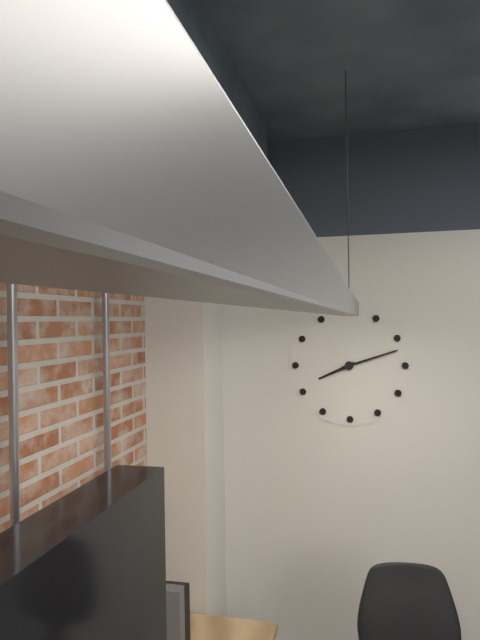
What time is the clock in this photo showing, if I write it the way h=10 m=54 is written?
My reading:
h=8 m=12
